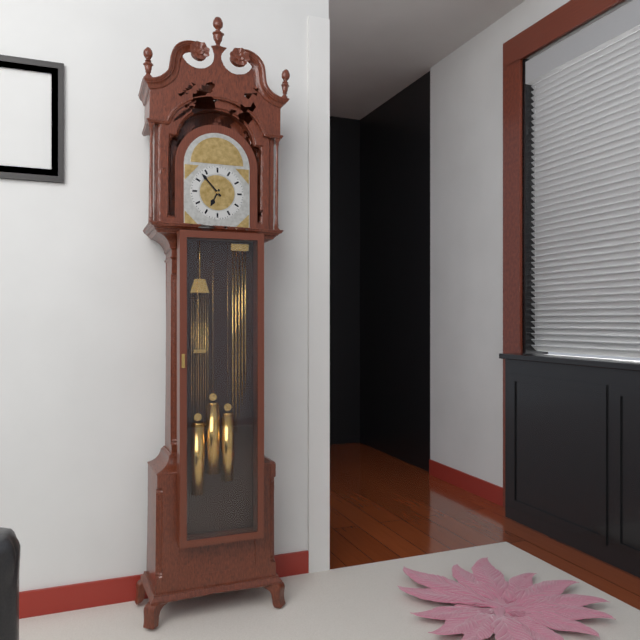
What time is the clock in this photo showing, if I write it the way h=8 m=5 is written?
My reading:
h=6 m=53
